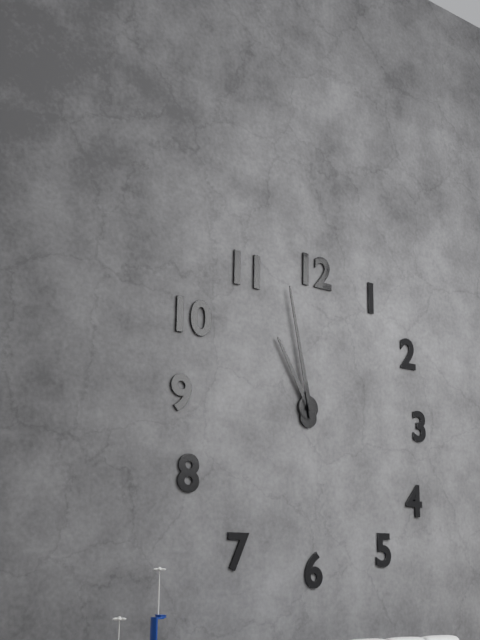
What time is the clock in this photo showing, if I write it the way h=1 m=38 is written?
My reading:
h=10 m=58
